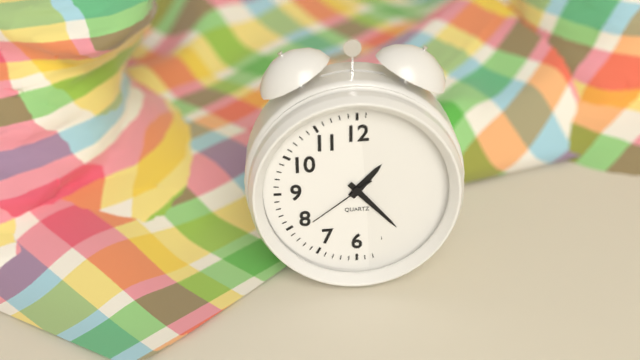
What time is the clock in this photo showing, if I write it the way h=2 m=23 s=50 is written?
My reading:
h=1 m=23 s=39
